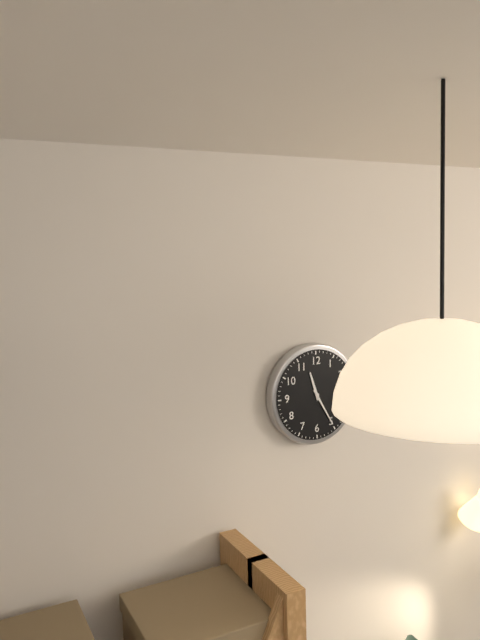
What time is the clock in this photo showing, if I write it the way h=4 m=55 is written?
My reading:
h=11 m=25
